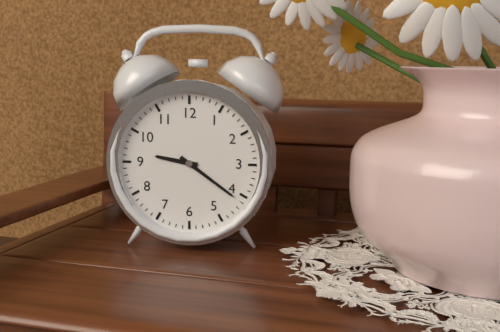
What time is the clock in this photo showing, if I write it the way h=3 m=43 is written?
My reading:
h=9 m=21
